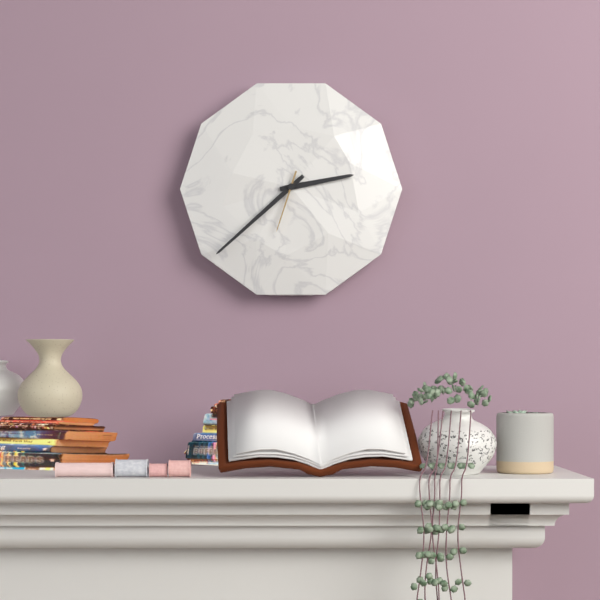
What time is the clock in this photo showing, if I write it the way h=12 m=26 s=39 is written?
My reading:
h=2 m=38 s=33
